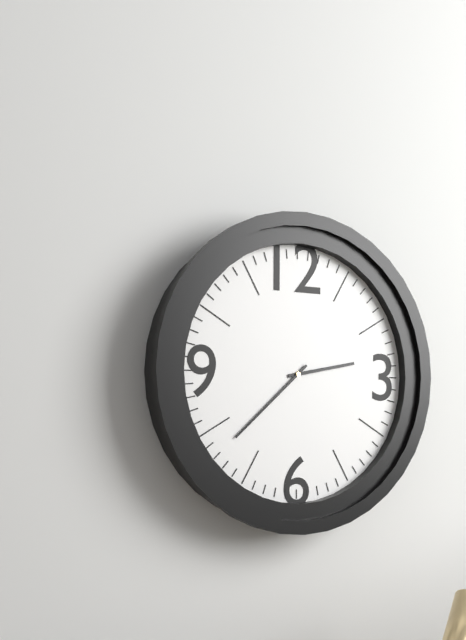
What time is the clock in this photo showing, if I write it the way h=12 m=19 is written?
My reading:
h=2 m=38
